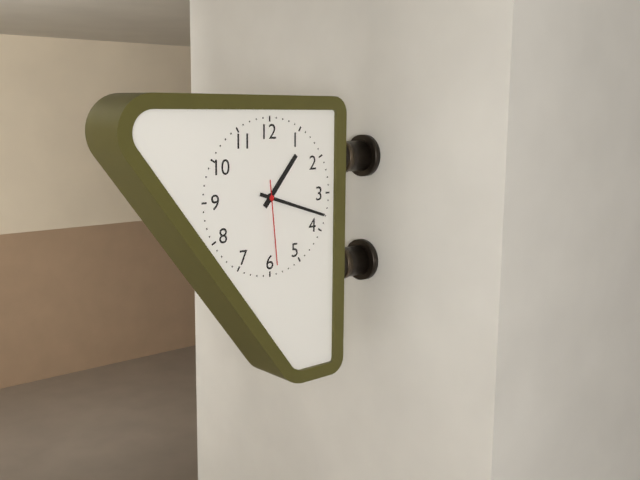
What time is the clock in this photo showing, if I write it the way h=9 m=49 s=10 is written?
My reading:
h=1 m=18 s=29
